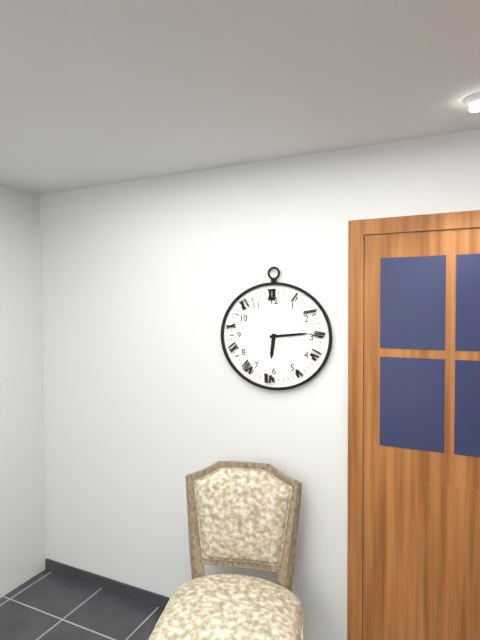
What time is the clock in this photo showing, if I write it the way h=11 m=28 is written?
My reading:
h=6 m=14
